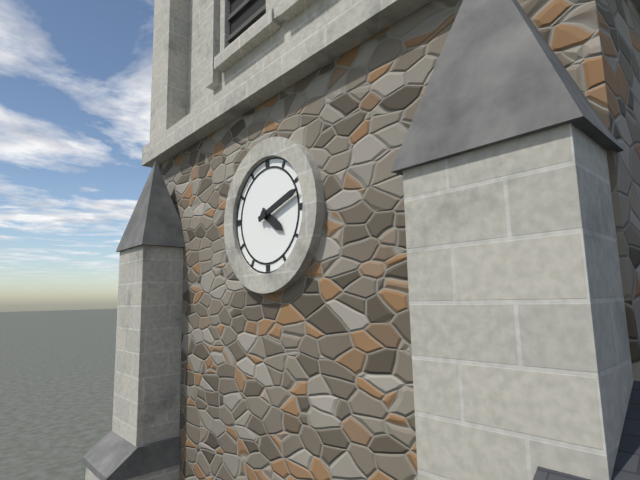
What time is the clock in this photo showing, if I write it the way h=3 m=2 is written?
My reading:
h=4 m=12
